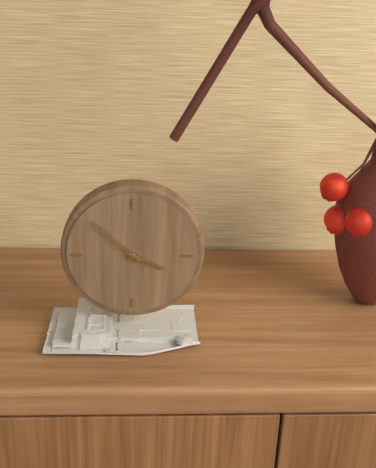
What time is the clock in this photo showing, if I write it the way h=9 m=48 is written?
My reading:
h=3 m=52
